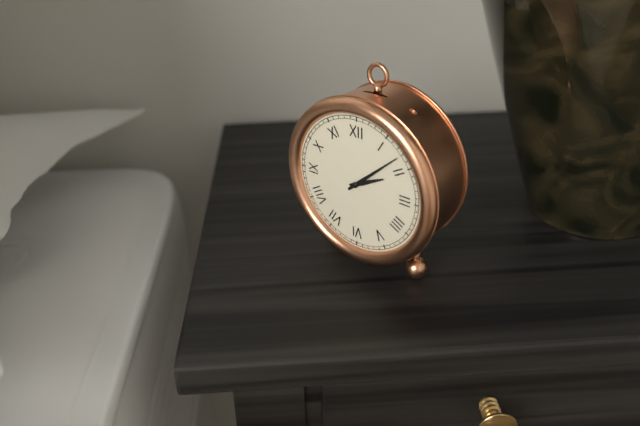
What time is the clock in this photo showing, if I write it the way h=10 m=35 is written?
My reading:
h=2 m=8
